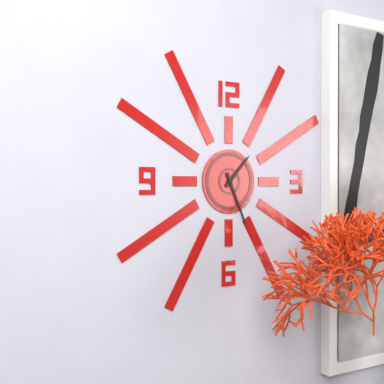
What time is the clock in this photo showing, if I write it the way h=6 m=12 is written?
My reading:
h=1 m=26
